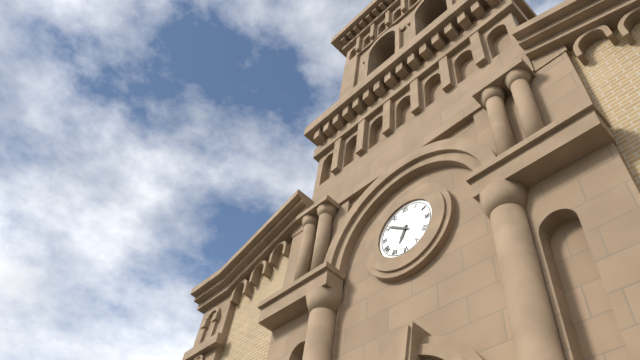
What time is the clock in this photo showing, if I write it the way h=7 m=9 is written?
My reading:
h=6 m=51
